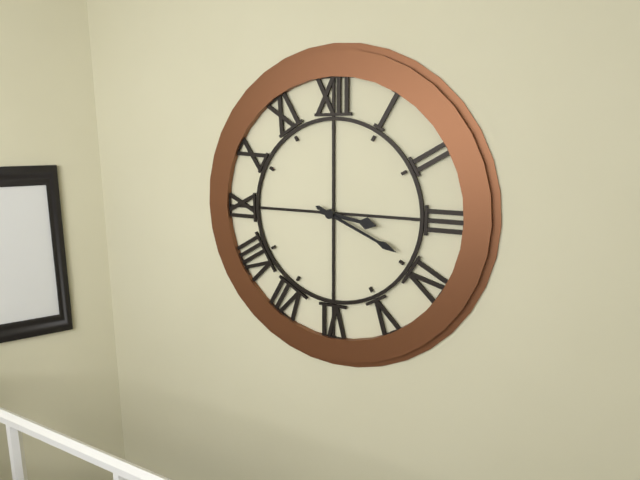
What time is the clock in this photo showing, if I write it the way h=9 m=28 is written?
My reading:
h=3 m=19
